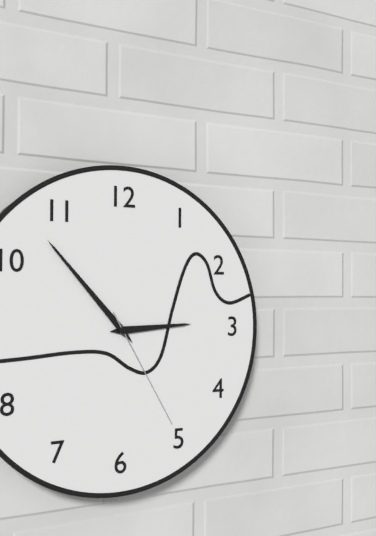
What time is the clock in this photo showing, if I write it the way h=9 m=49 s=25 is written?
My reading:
h=2 m=53 s=25
